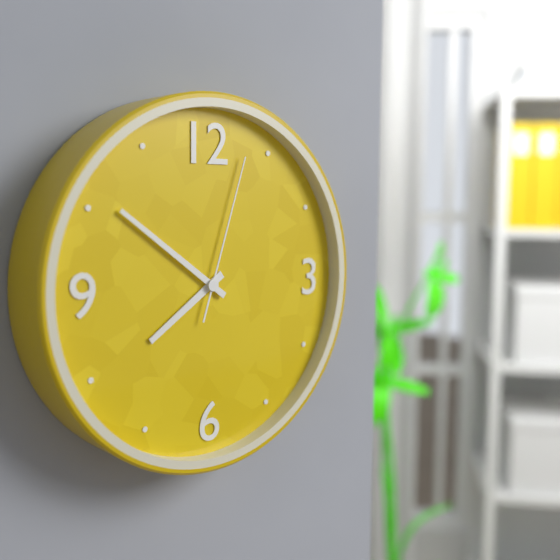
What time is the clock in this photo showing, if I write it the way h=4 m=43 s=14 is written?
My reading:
h=7 m=51 s=3
